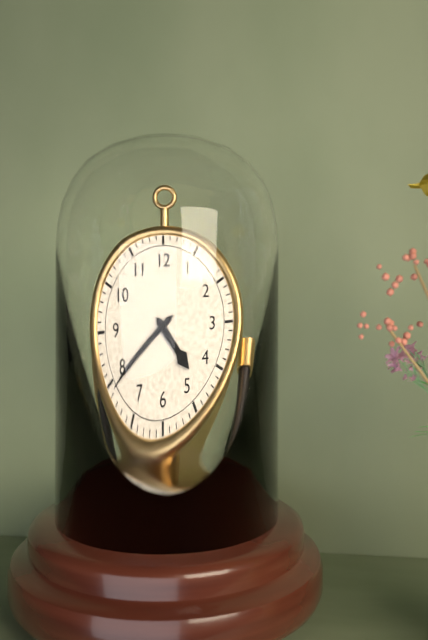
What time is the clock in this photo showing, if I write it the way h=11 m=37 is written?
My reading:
h=4 m=39
